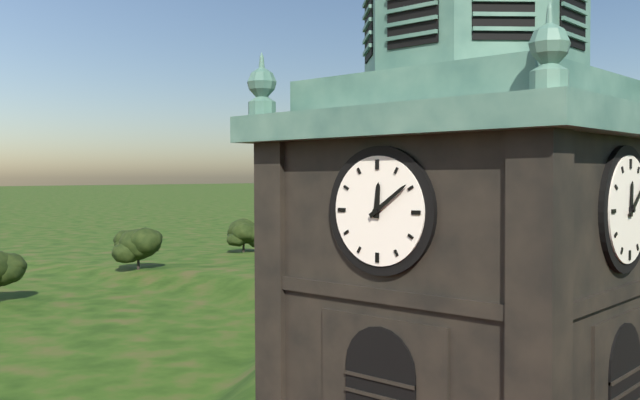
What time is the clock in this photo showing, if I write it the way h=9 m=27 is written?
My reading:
h=12 m=9
